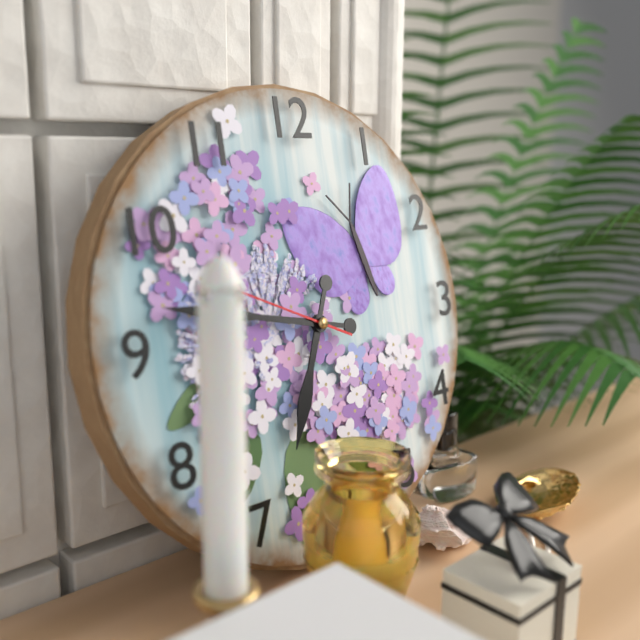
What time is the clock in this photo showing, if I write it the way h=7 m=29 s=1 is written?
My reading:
h=6 m=47 s=49
